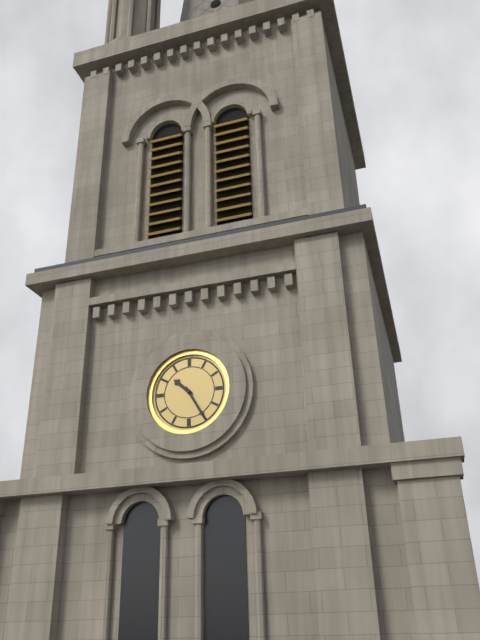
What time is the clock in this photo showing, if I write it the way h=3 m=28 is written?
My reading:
h=10 m=25
